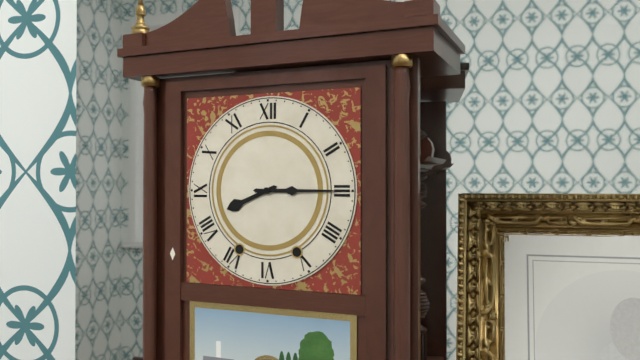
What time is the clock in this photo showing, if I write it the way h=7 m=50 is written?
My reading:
h=8 m=15
